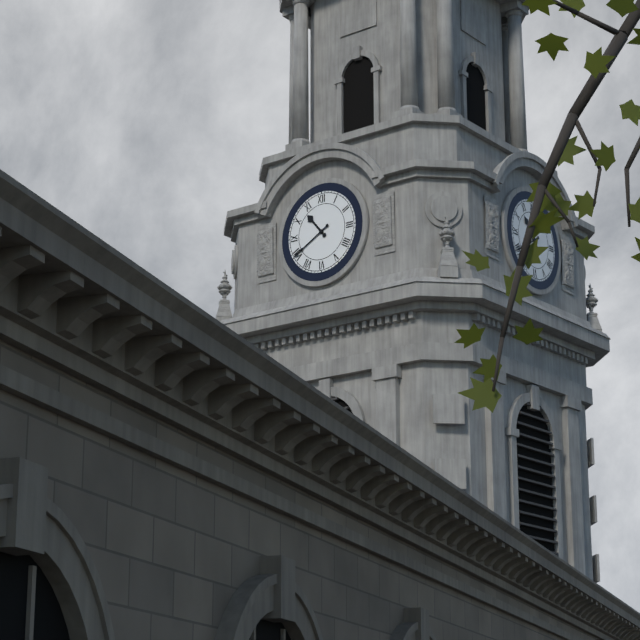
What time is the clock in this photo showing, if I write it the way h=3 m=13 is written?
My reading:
h=10 m=40
